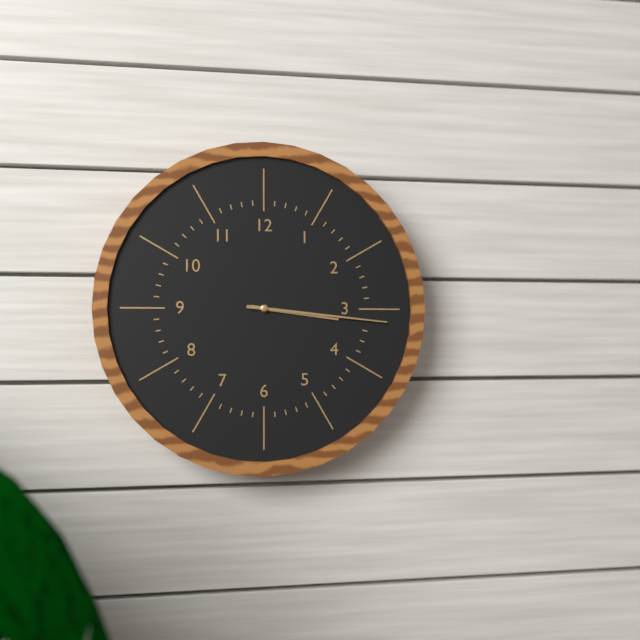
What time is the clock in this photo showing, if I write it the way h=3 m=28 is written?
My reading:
h=3 m=16
